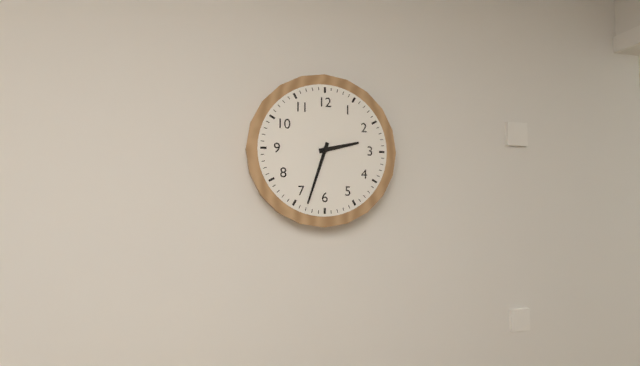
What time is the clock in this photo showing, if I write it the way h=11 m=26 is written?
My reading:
h=2 m=33
